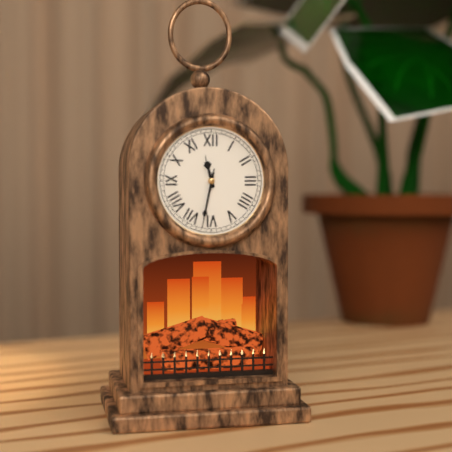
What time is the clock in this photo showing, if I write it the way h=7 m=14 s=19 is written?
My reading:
h=11 m=32 s=32
